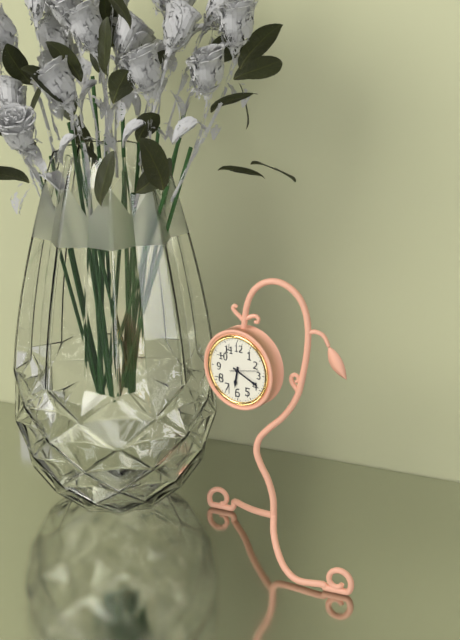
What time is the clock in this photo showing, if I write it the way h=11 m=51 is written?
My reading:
h=6 m=19
